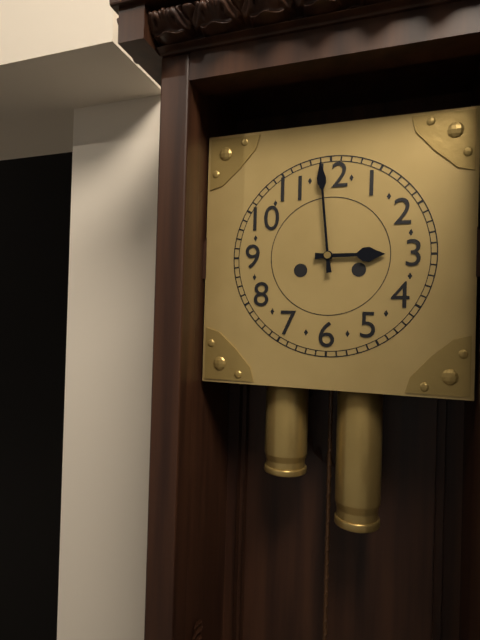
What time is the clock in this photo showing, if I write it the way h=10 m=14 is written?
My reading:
h=2 m=59
